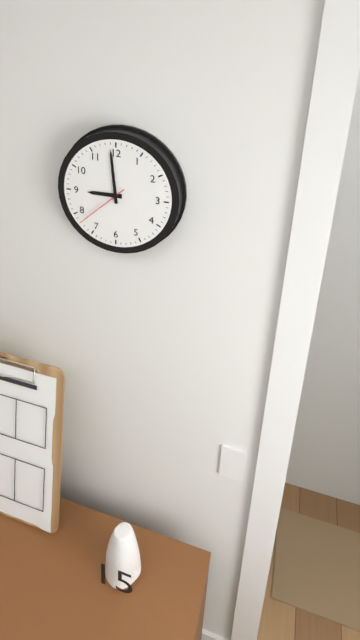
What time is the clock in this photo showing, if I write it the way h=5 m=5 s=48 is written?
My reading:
h=8 m=59 s=38
